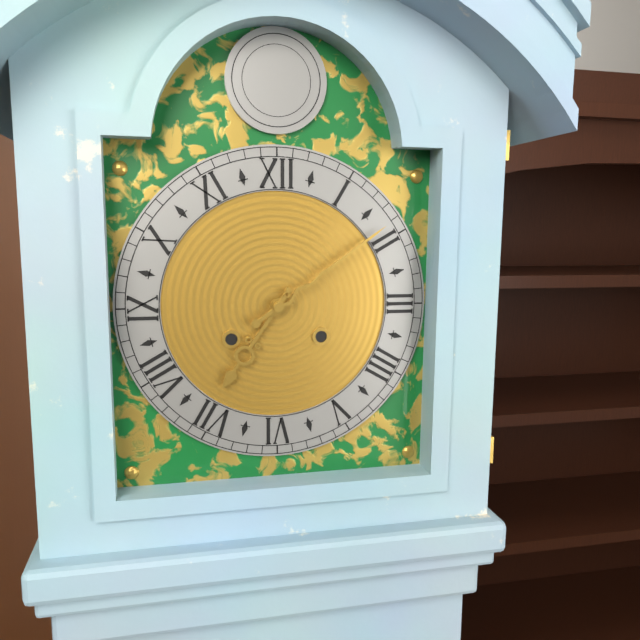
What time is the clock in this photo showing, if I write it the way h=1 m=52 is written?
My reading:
h=7 m=9
